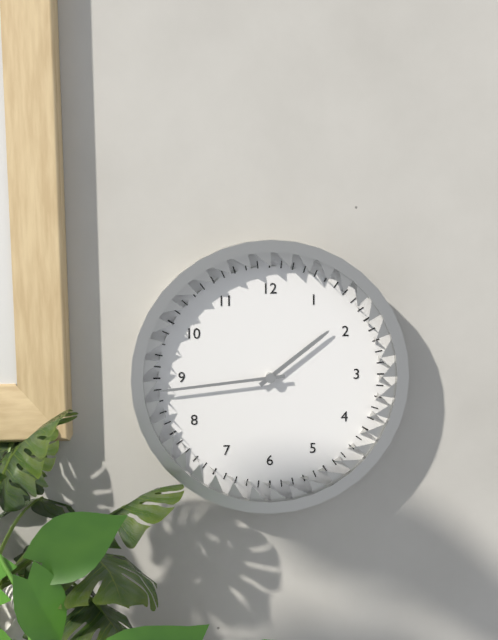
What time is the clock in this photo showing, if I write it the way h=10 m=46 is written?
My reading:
h=1 m=44
